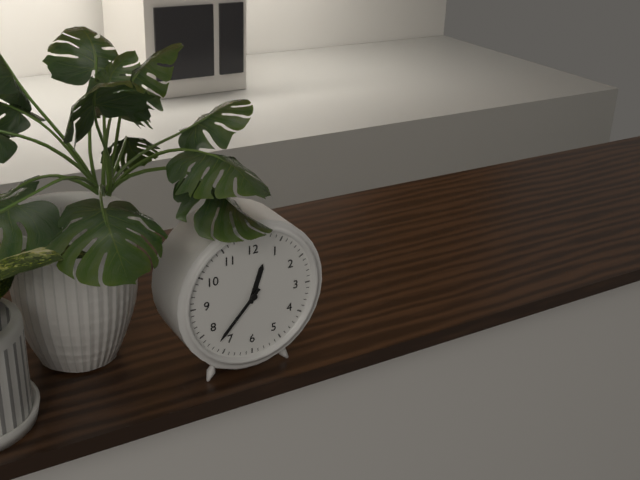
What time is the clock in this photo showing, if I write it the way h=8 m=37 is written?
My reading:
h=12 m=37
